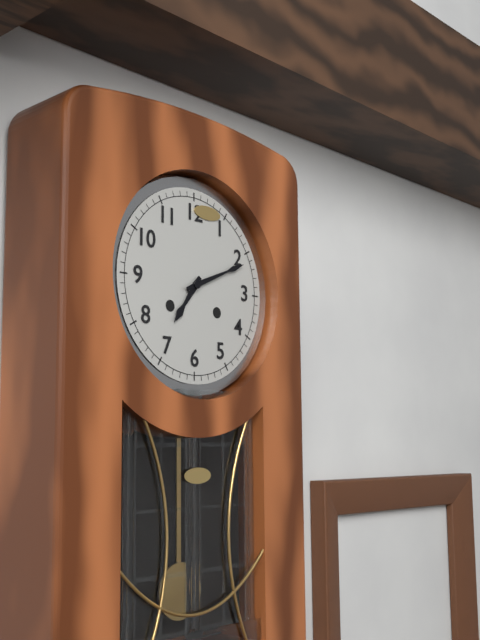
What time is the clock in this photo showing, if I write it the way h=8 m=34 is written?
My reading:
h=7 m=11
